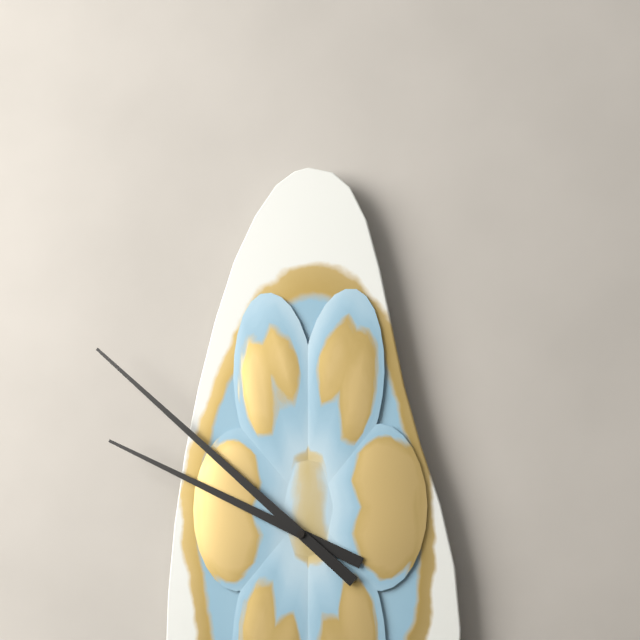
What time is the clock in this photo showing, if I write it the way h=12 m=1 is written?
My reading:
h=9 m=52
